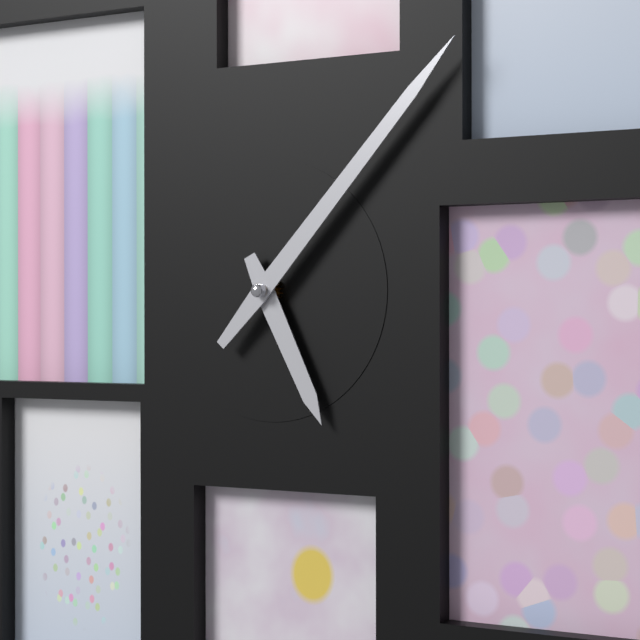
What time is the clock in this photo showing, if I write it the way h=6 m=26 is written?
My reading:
h=5 m=7
